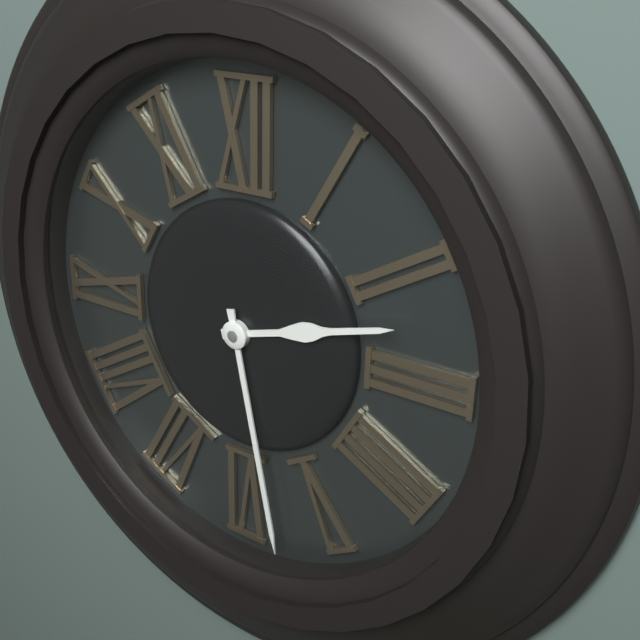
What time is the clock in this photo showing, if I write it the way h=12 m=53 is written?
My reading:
h=2 m=28
